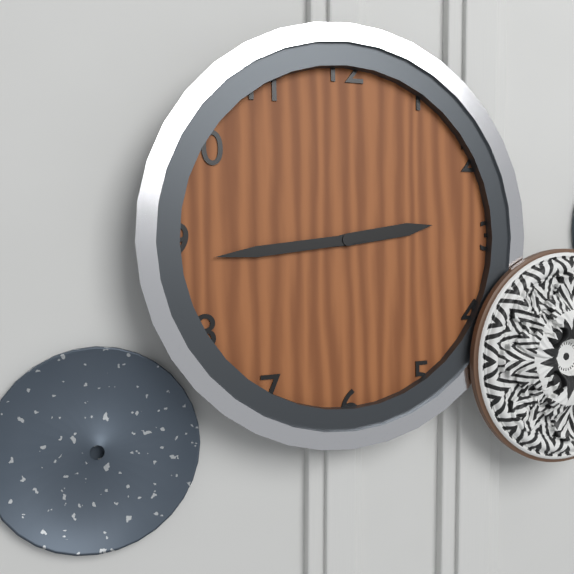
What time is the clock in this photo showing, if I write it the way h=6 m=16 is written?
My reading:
h=2 m=44
